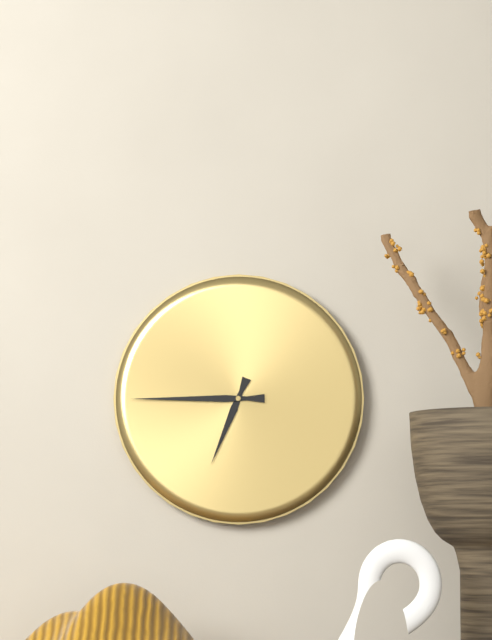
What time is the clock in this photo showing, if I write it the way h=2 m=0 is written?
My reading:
h=6 m=45
